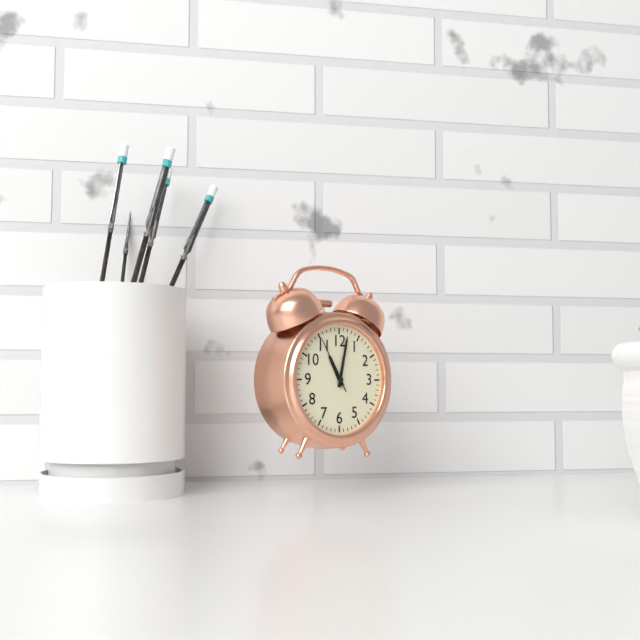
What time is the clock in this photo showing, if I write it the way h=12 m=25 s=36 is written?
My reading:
h=11 m=2 s=55
